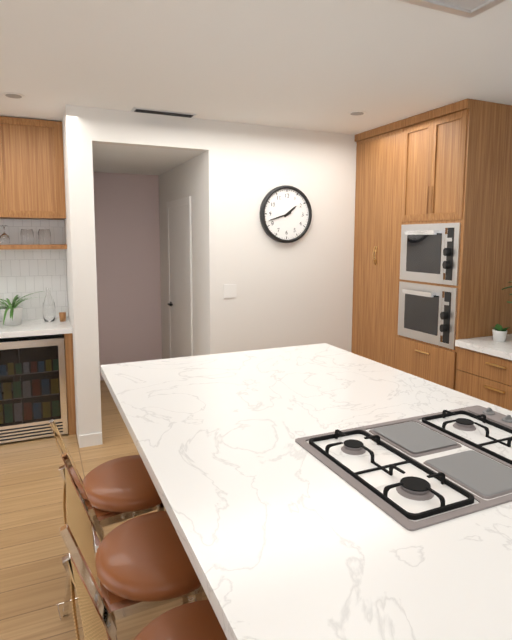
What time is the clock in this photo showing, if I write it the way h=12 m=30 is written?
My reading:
h=1 m=42
